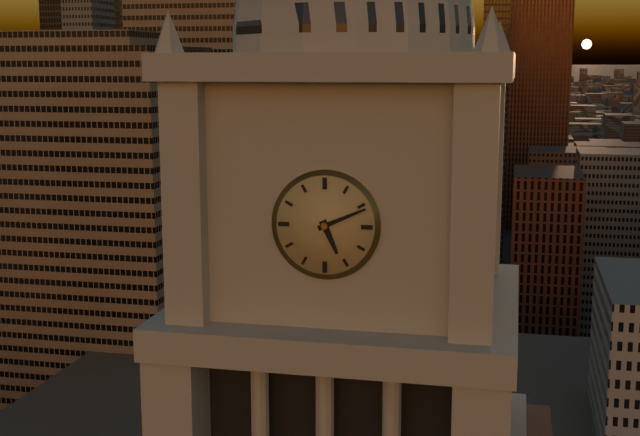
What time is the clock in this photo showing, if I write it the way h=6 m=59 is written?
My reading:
h=5 m=11
